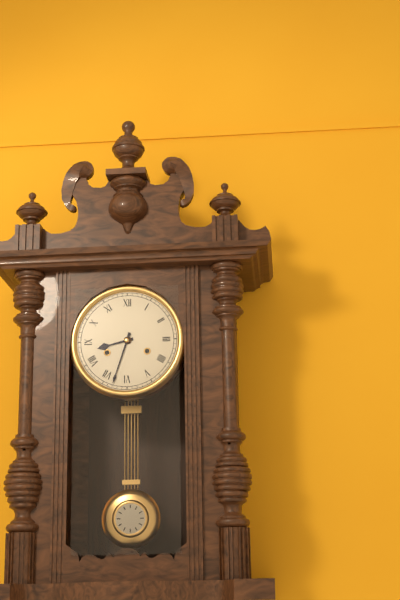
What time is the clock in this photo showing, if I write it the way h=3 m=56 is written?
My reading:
h=8 m=33
